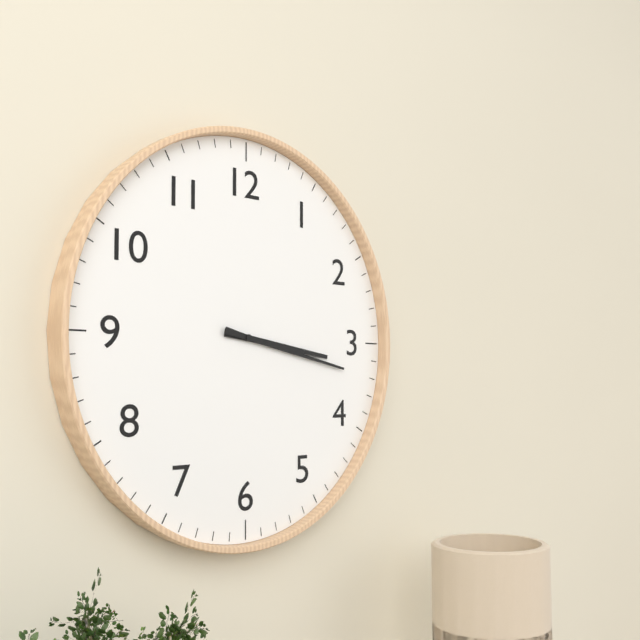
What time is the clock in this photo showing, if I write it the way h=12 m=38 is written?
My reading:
h=3 m=17
